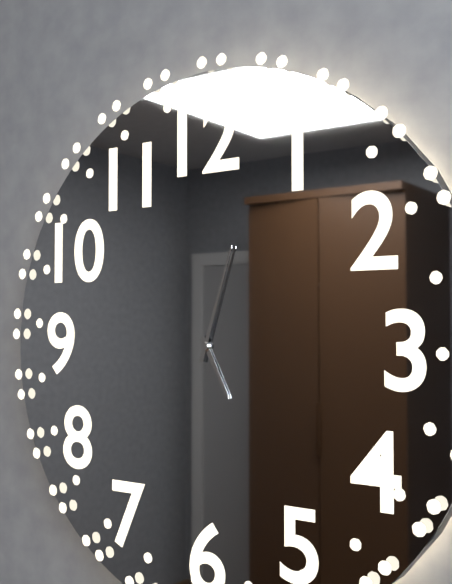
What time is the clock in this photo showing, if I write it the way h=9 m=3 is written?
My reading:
h=5 m=3
